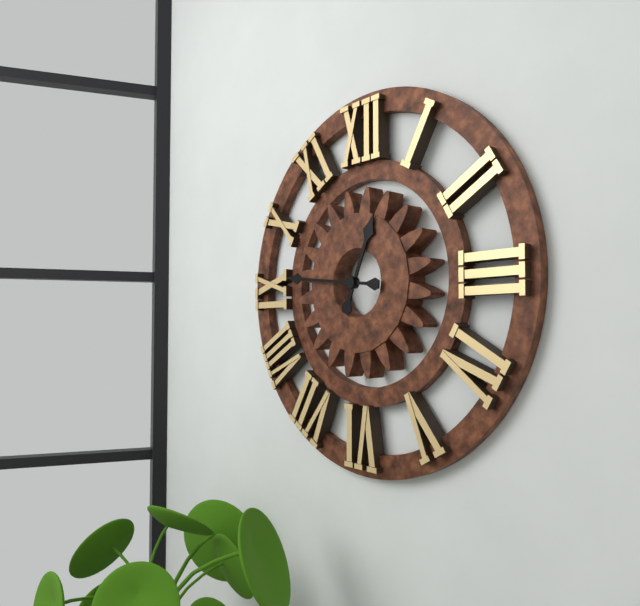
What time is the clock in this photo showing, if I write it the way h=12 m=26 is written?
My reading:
h=12 m=46
